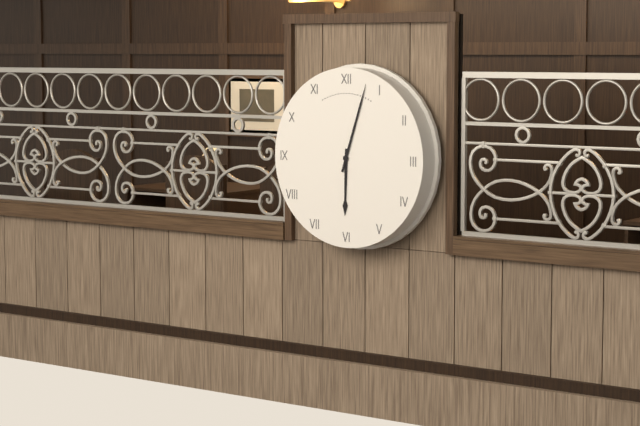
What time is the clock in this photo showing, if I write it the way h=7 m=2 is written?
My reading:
h=6 m=3
